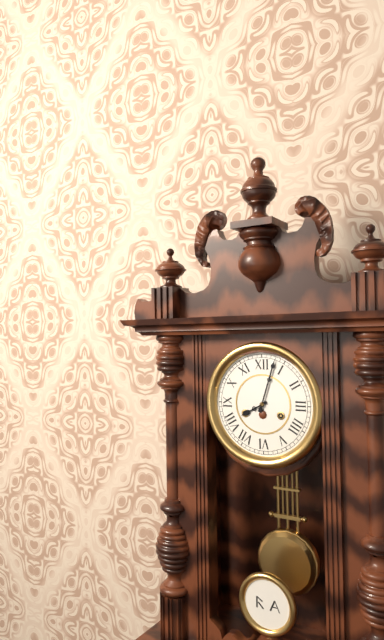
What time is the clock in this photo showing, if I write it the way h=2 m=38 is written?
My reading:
h=8 m=3
